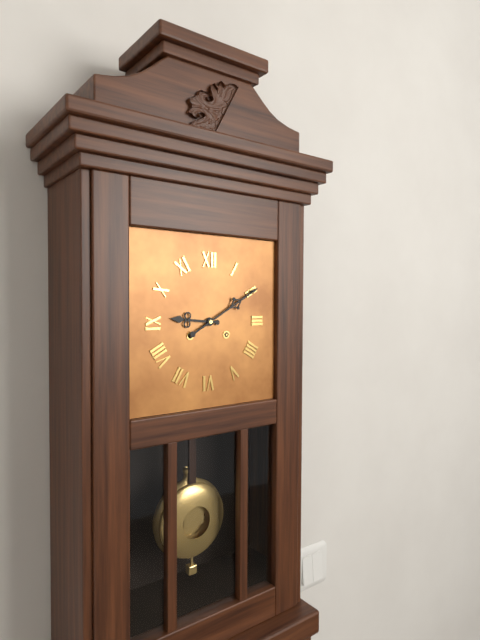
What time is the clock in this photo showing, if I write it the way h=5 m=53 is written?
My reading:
h=9 m=10
